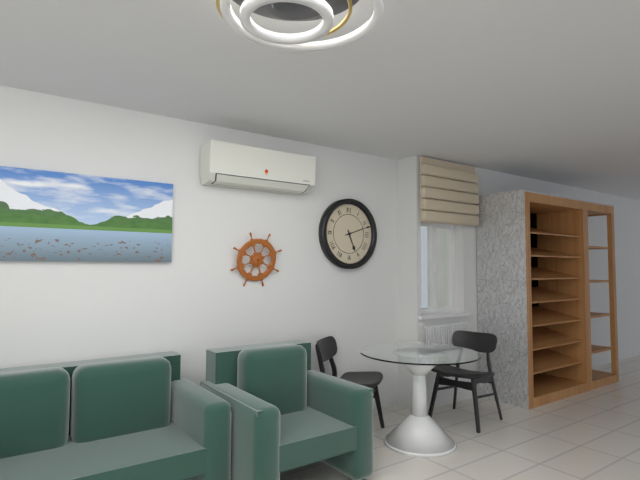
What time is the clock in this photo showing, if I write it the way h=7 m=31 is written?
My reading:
h=5 m=12
